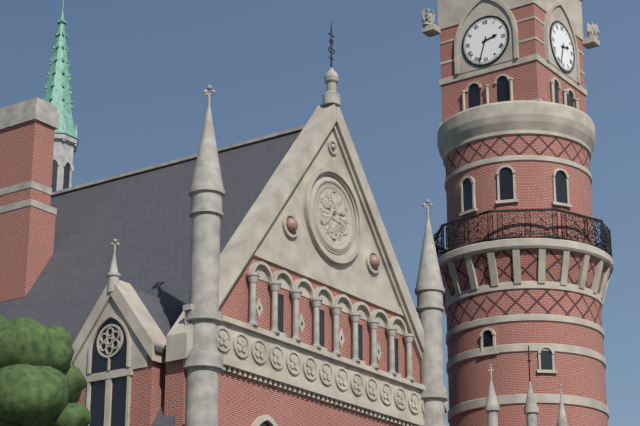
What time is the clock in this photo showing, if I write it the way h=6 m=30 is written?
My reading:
h=2 m=33
